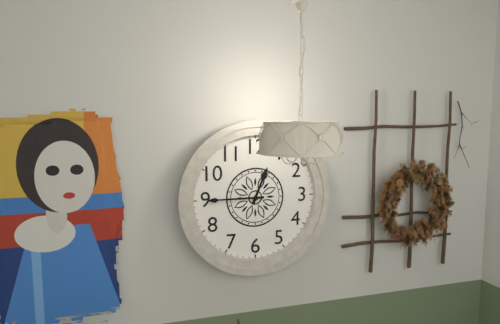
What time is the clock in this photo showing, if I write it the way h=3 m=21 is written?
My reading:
h=12 m=45
